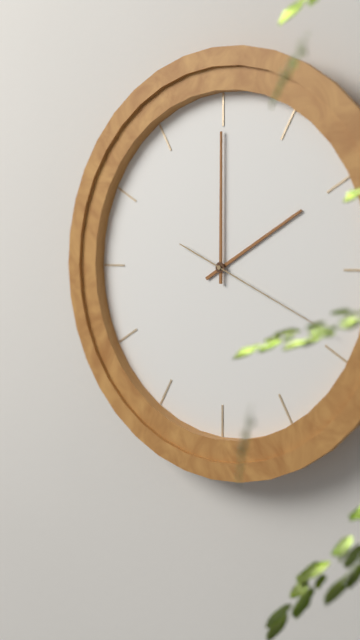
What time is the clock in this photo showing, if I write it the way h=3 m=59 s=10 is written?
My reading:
h=2 m=0 s=19
